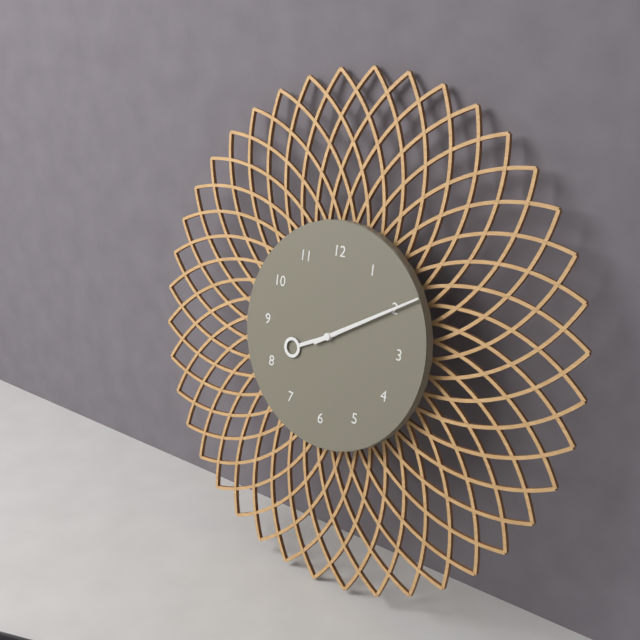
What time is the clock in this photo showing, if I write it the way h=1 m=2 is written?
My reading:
h=8 m=10
